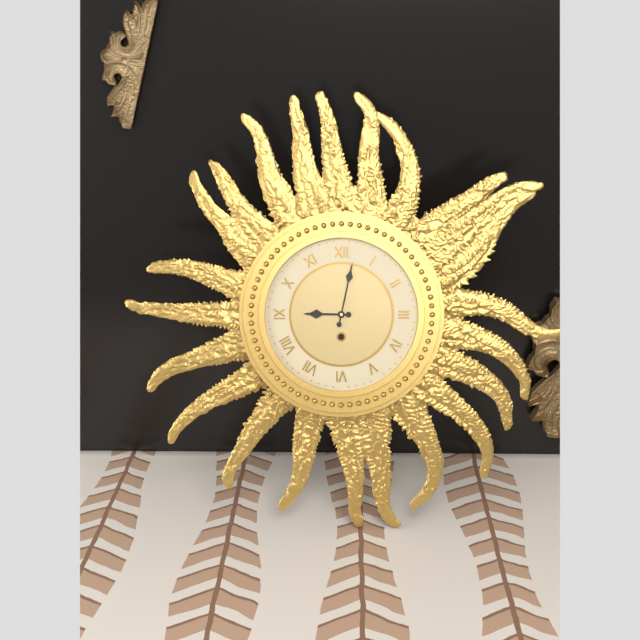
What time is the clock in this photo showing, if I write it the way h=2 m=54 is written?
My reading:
h=9 m=2
